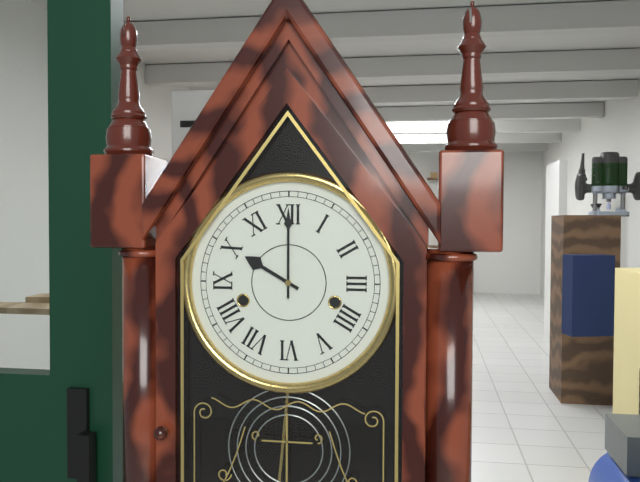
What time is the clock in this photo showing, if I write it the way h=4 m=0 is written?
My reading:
h=10 m=0
